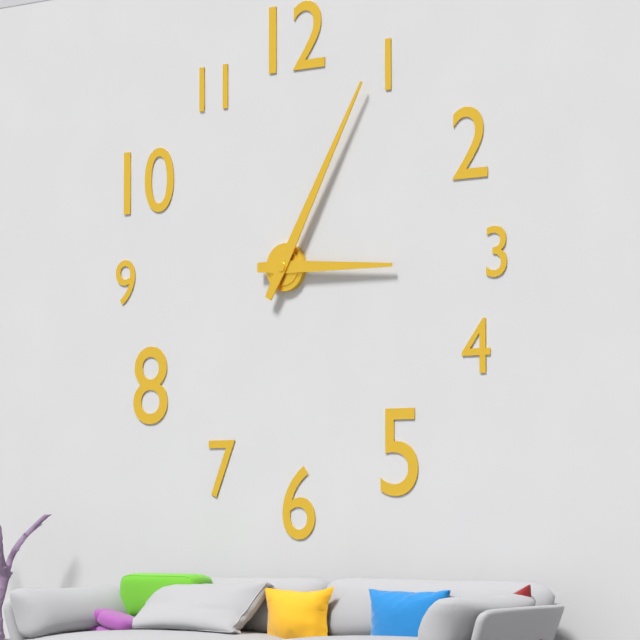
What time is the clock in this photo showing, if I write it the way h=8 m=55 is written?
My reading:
h=3 m=5
